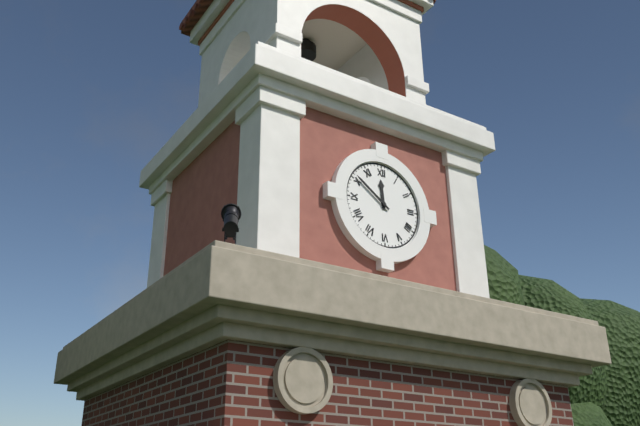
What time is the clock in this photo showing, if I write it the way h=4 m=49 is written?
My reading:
h=11 m=51
